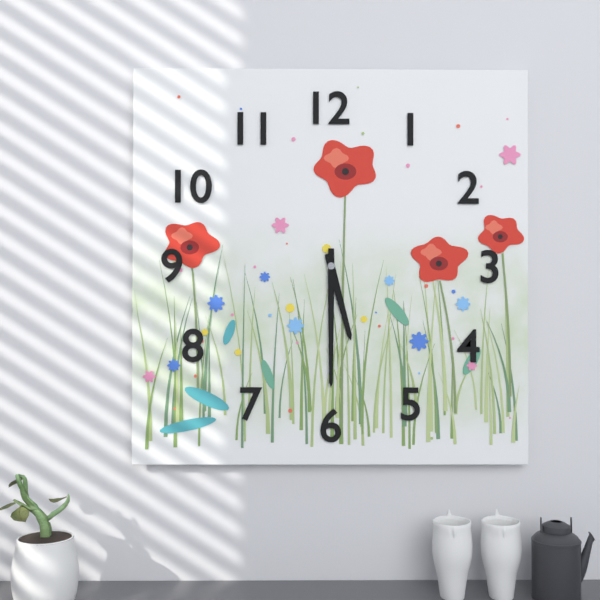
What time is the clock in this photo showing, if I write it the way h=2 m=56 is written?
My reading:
h=5 m=30
